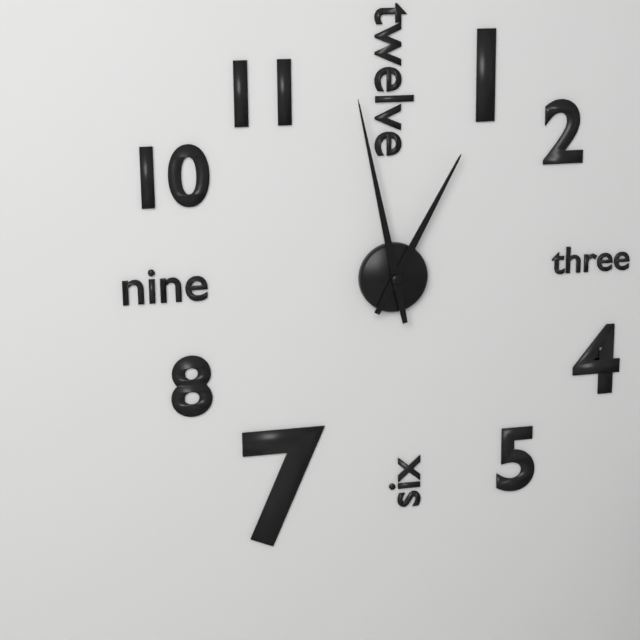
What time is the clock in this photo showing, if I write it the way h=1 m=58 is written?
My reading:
h=12 m=58
